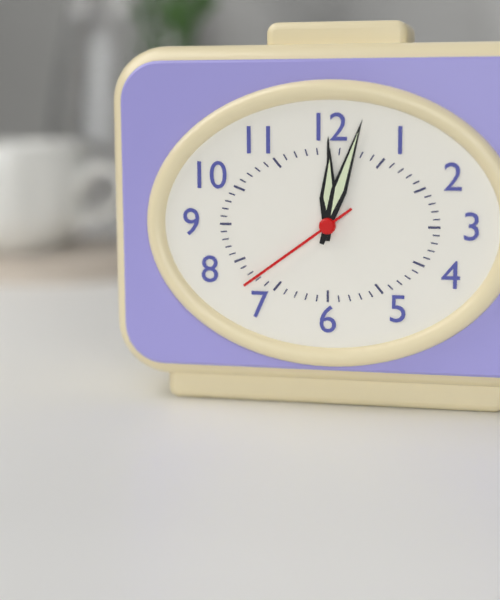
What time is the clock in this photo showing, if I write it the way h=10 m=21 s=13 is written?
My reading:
h=12 m=3 s=39
